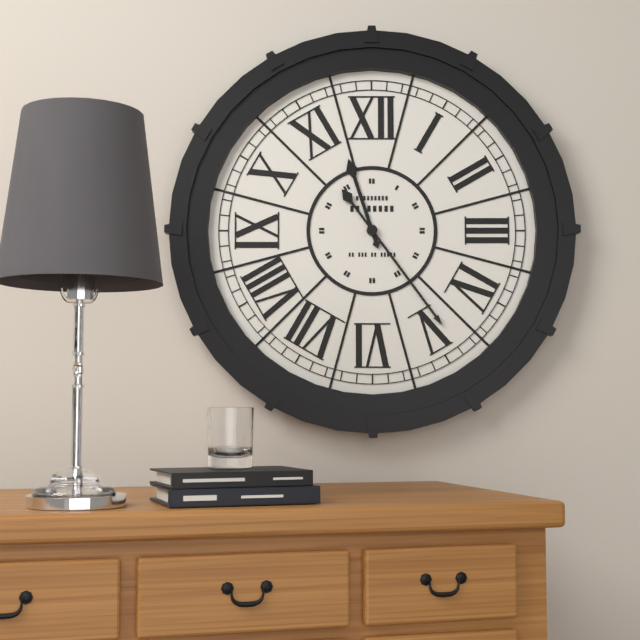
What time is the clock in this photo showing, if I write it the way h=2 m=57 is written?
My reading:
h=11 m=24
